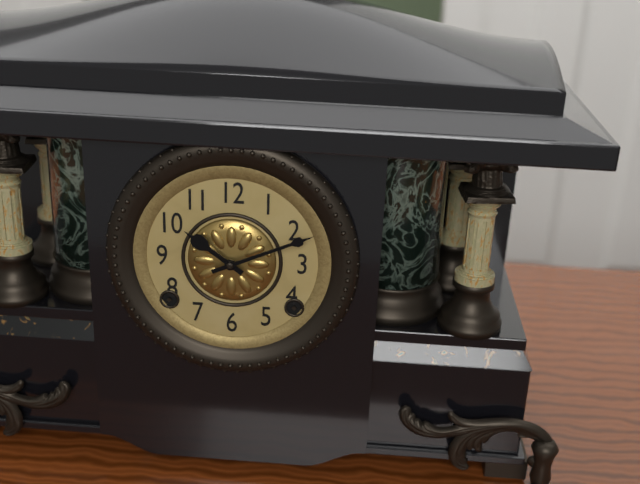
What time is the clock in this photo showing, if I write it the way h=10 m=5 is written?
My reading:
h=10 m=11
